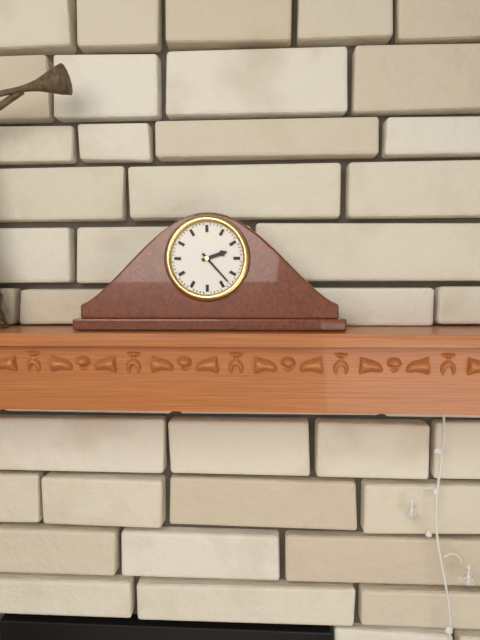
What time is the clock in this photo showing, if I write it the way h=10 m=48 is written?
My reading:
h=2 m=23
